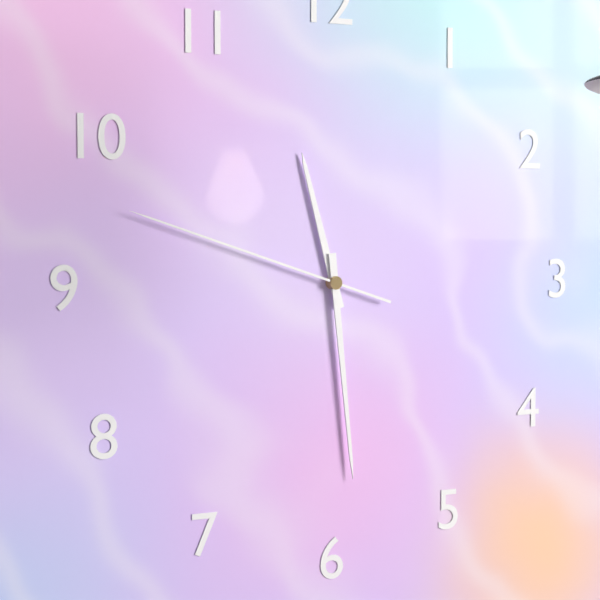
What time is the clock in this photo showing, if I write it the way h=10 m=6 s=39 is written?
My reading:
h=11 m=29 s=48
